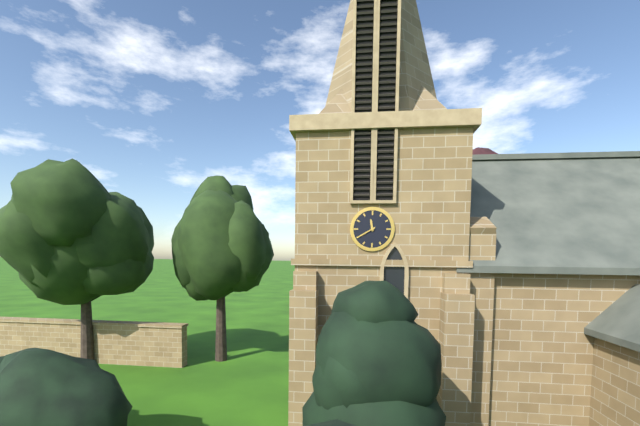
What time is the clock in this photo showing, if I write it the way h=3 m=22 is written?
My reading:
h=11 m=40
